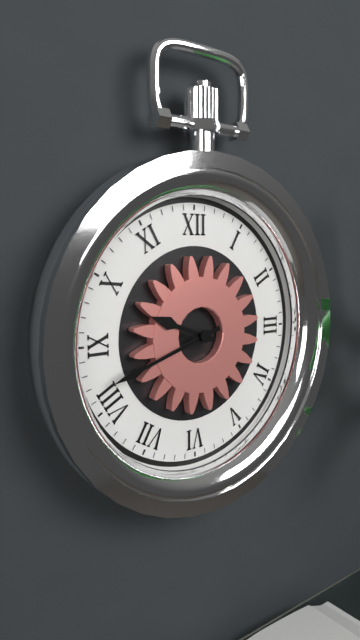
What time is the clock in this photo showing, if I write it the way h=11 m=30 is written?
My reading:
h=9 m=42
